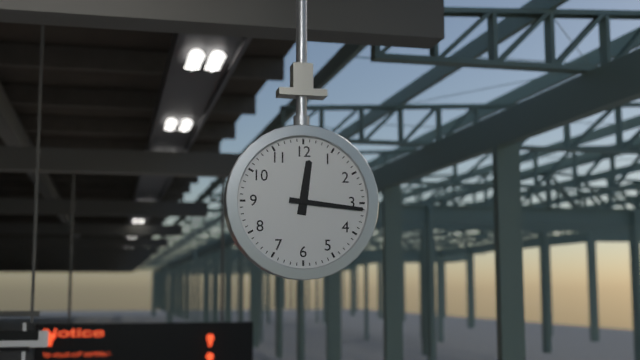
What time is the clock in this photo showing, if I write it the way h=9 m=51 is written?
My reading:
h=12 m=16
